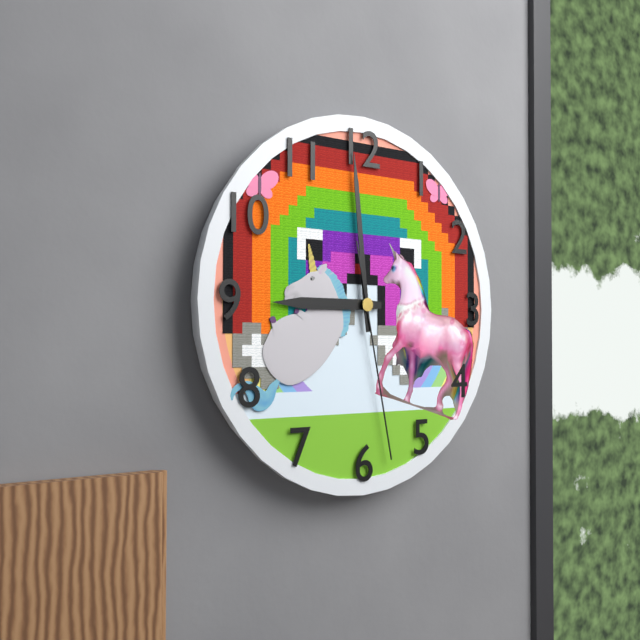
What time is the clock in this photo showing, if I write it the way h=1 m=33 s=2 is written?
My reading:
h=8 m=59 s=28
